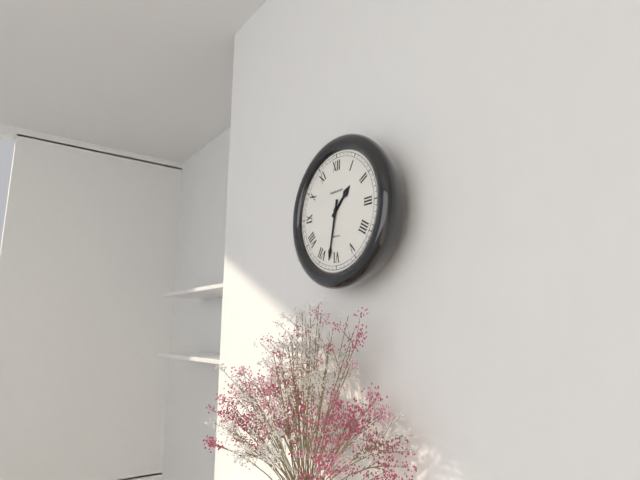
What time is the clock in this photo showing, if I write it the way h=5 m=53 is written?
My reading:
h=1 m=32
